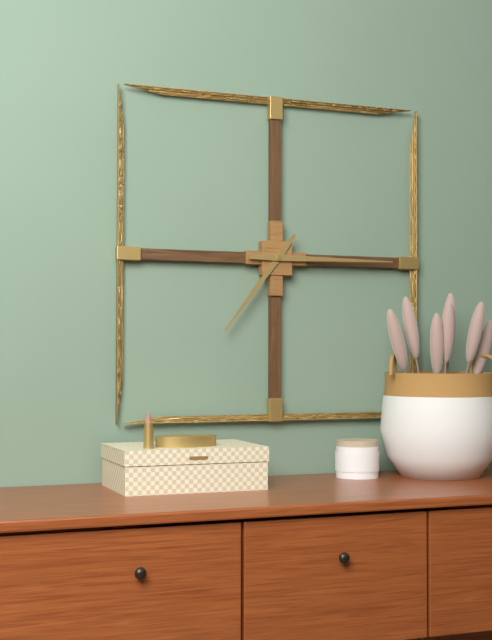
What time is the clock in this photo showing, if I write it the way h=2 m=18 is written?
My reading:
h=7 m=15
